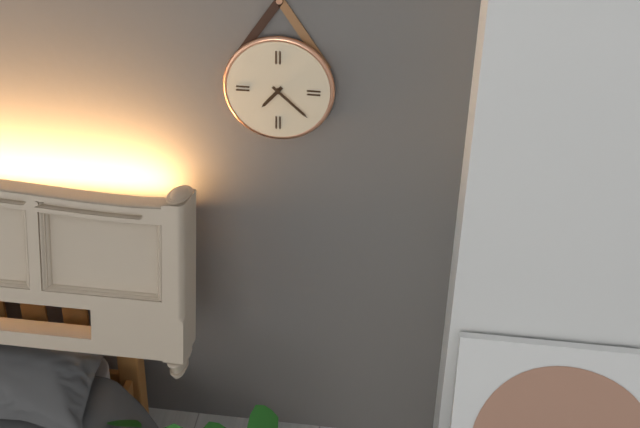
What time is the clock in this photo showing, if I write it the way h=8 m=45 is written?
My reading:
h=7 m=22
